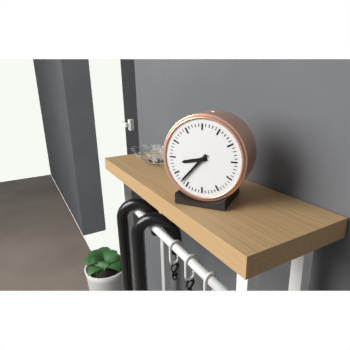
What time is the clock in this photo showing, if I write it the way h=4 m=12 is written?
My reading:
h=8 m=37
